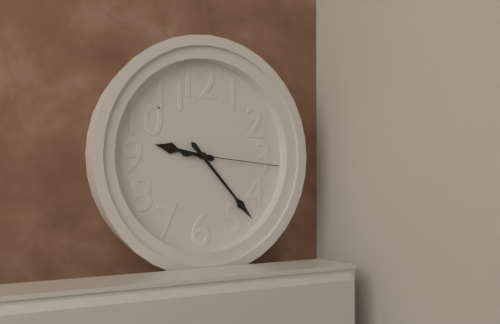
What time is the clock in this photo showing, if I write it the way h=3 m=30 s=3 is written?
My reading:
h=9 m=23 s=16
